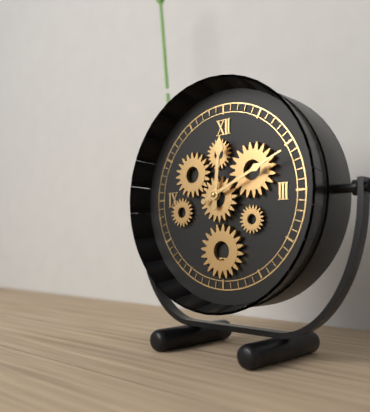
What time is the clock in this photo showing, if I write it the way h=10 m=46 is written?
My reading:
h=12 m=11
